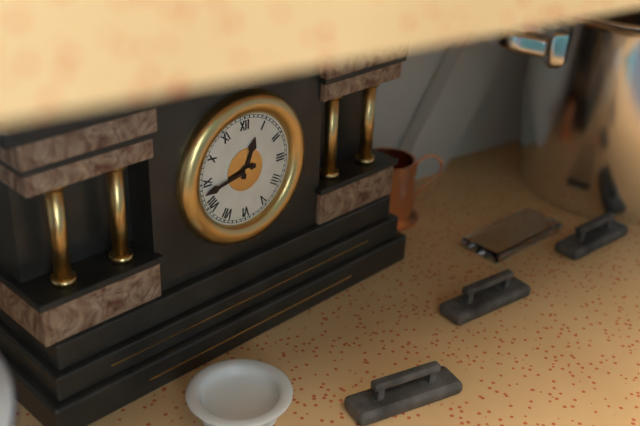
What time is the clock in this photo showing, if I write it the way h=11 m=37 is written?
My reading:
h=12 m=43
